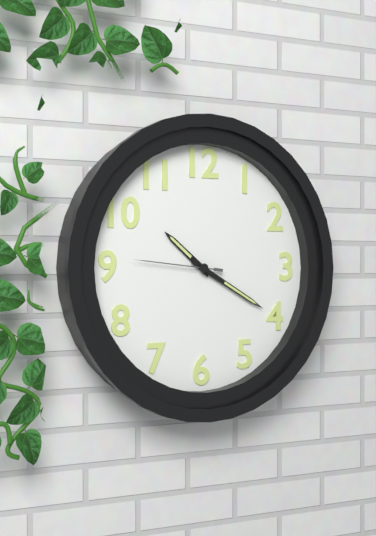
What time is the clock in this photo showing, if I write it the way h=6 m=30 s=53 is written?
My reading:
h=10 m=20 s=46
